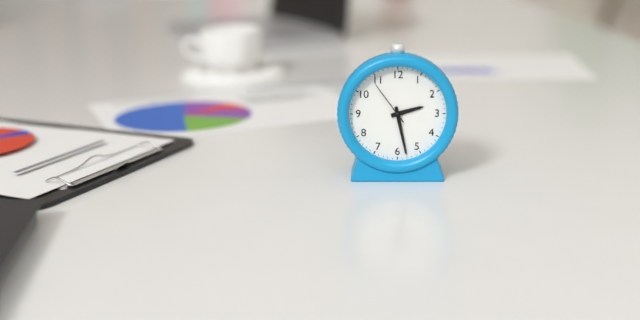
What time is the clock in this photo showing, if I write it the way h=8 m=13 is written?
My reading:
h=2 m=28
